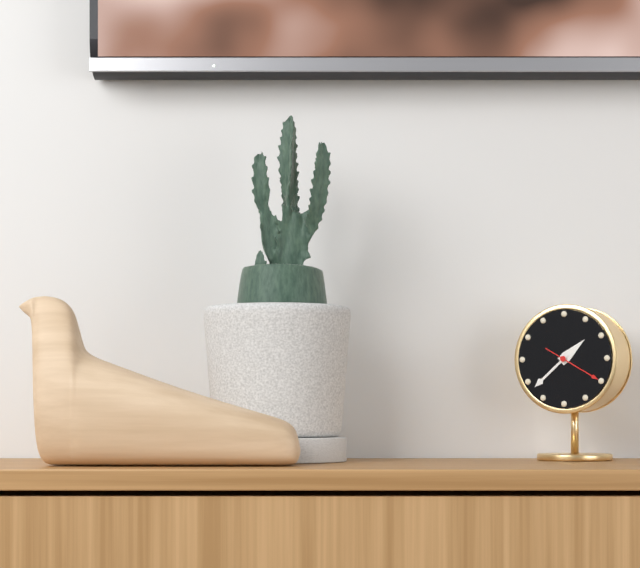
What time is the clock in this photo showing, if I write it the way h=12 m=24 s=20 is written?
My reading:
h=1 m=38 s=20
